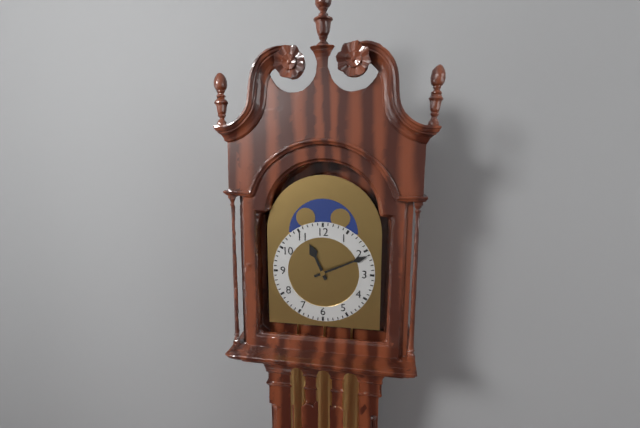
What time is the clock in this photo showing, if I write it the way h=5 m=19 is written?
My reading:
h=11 m=11
